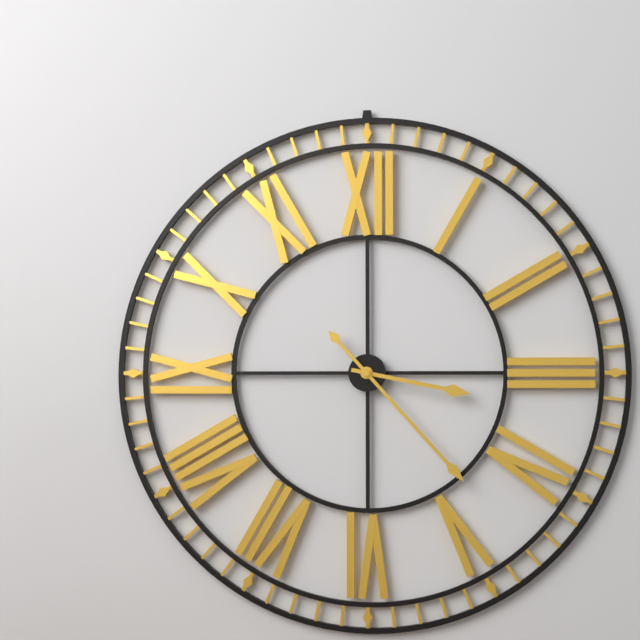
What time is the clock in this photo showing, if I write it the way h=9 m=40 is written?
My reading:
h=3 m=23
